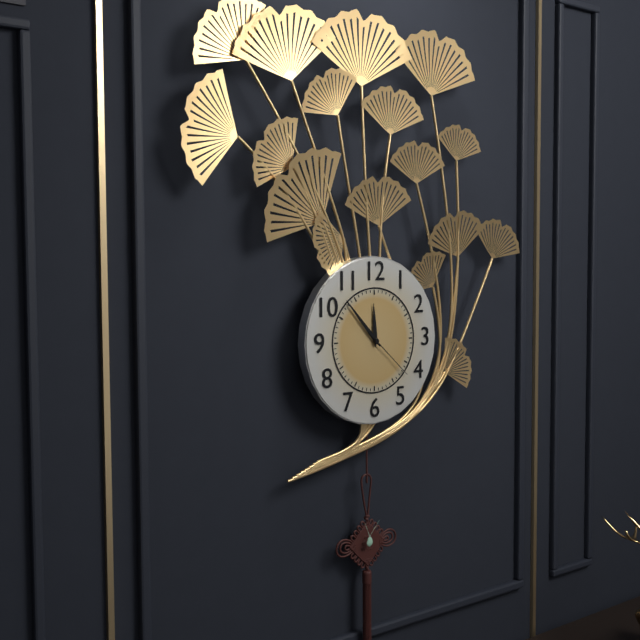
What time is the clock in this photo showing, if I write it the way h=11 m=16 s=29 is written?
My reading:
h=11 m=53 s=22
